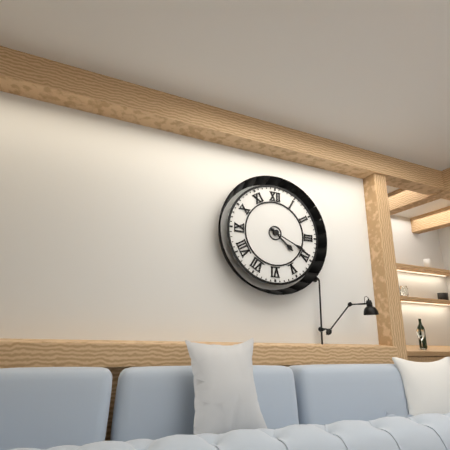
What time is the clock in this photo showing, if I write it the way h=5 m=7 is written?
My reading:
h=4 m=19
